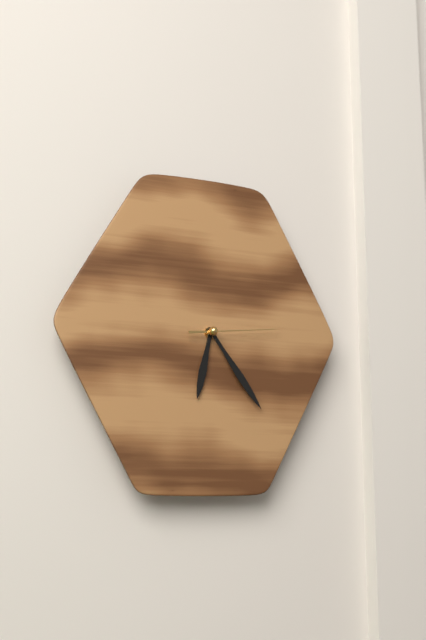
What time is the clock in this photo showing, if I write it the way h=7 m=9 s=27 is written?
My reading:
h=6 m=24 s=14
